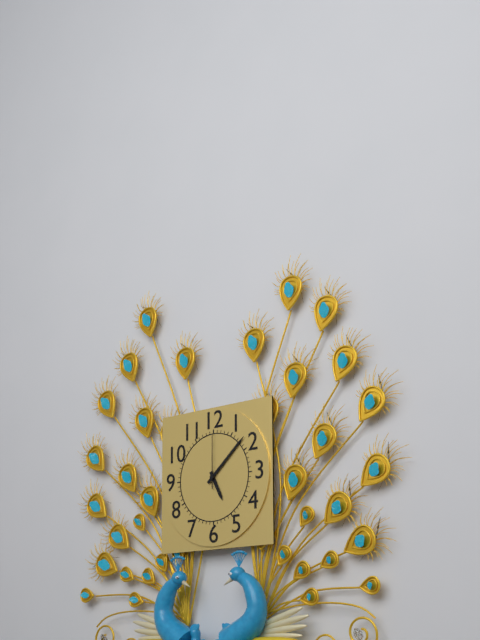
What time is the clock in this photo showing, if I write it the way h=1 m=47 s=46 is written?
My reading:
h=5 m=8 s=0
